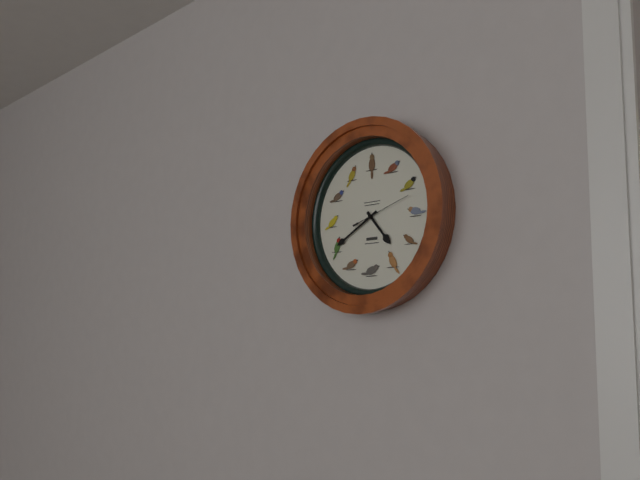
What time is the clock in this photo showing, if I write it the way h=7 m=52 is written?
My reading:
h=4 m=40
